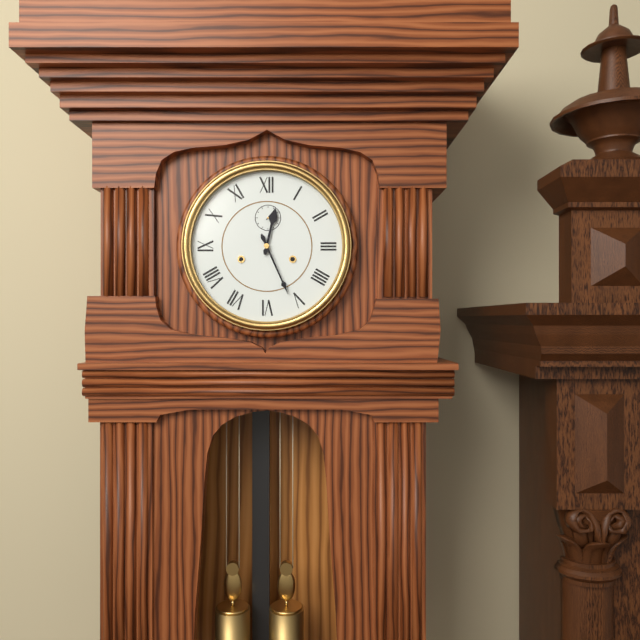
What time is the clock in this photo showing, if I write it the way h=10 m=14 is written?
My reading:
h=12 m=26
